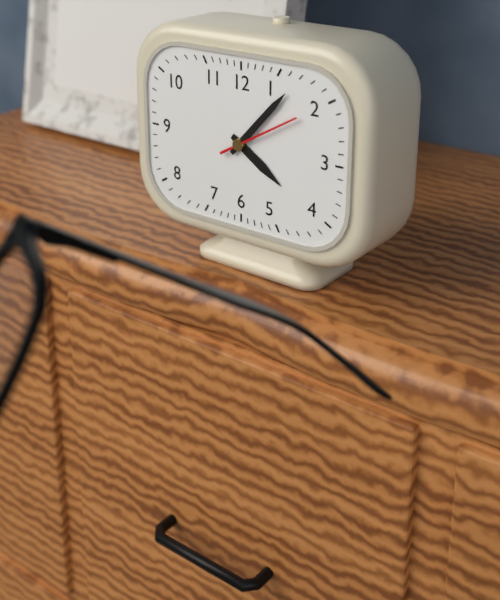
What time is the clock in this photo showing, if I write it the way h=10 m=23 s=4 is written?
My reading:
h=4 m=7 s=10
